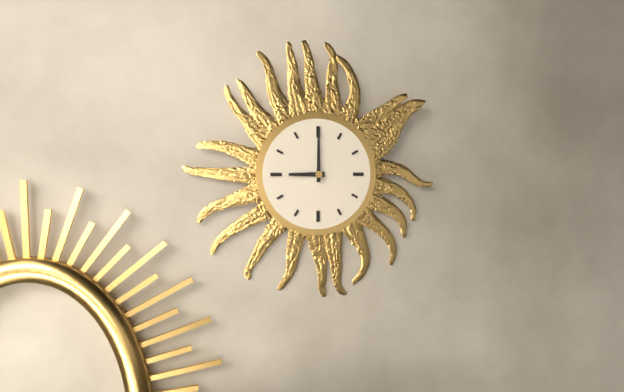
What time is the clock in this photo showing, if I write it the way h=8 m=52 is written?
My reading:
h=9 m=0
